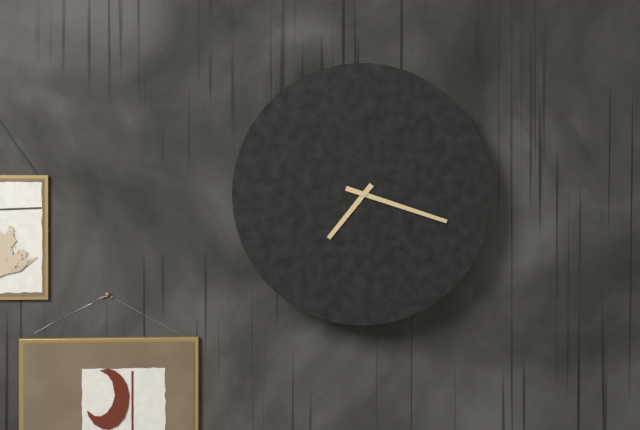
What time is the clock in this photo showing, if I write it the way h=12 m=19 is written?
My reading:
h=7 m=18
